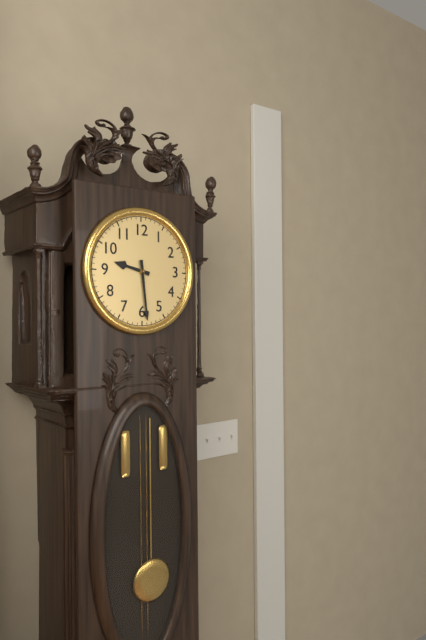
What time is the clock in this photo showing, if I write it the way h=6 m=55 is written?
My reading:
h=9 m=29
